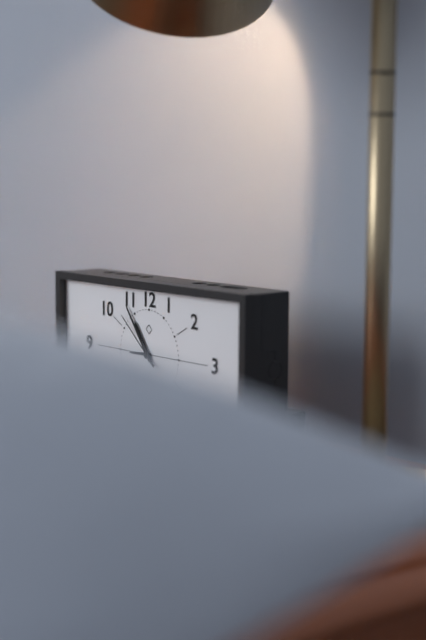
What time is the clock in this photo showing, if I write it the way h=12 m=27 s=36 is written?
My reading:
h=10 m=54 s=52
